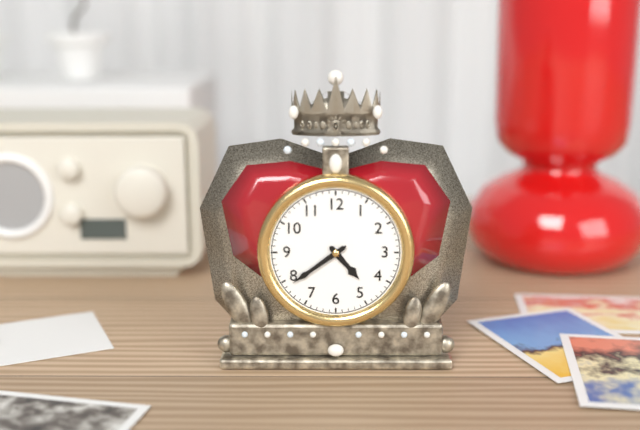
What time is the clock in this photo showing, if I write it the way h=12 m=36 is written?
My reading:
h=4 m=39
